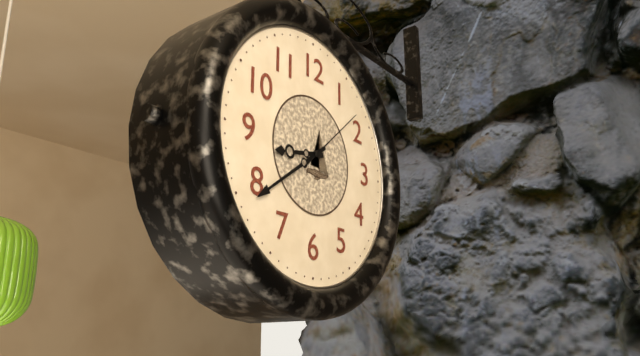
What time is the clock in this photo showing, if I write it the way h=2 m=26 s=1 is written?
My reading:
h=8 m=39 s=8
